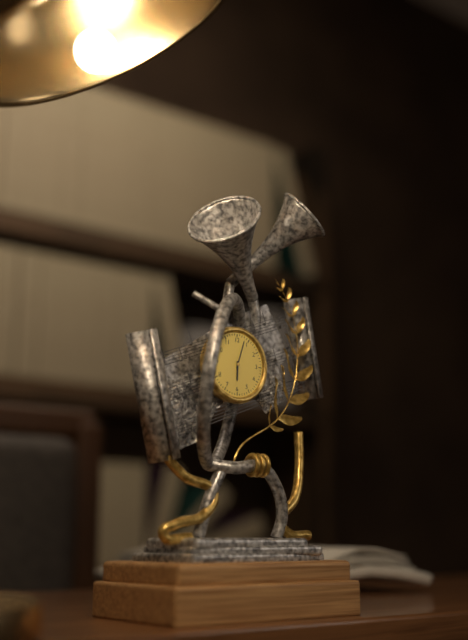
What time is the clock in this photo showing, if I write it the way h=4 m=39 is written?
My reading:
h=6 m=3
